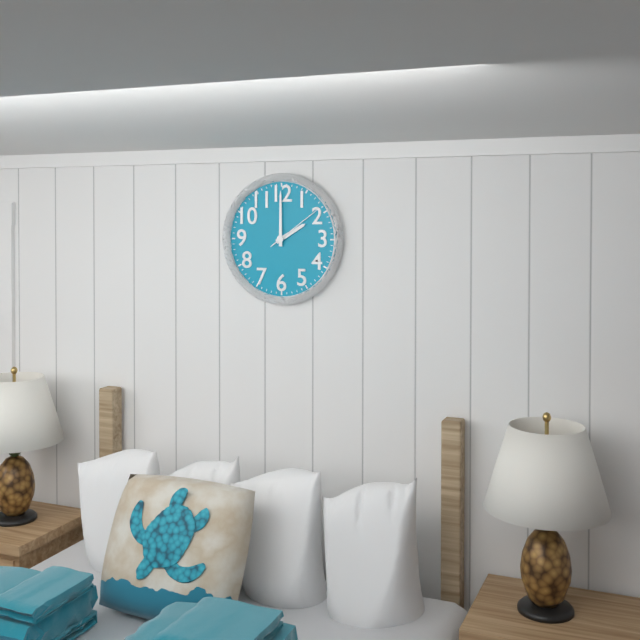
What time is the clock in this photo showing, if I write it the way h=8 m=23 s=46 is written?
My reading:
h=2 m=0 s=9
